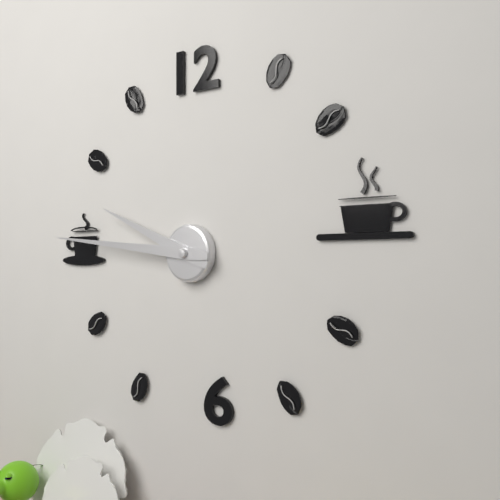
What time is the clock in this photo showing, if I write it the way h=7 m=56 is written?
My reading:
h=9 m=46
